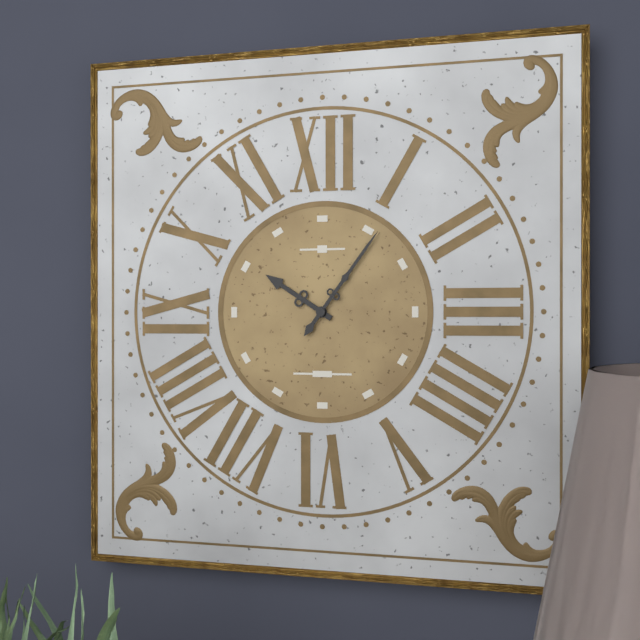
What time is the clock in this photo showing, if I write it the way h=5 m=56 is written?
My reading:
h=10 m=6
